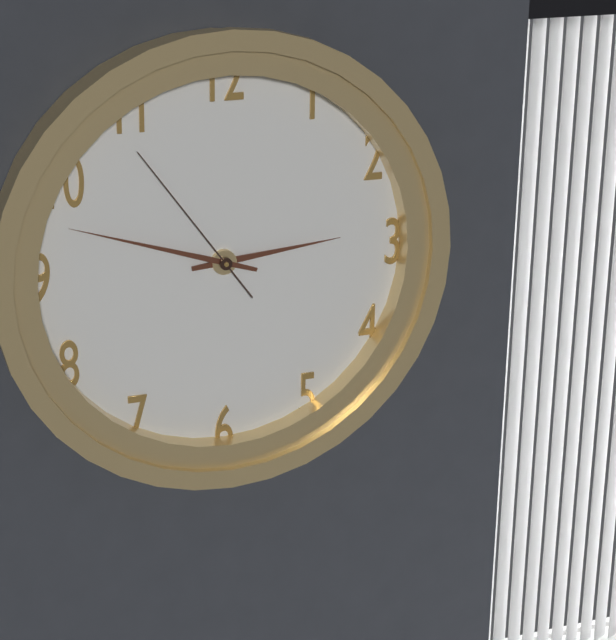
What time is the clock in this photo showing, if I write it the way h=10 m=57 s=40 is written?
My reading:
h=2 m=48 s=54
